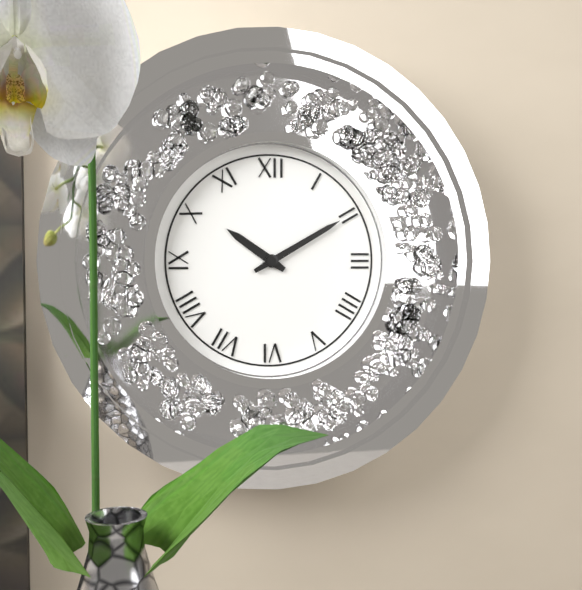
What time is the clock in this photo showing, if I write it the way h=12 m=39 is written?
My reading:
h=10 m=10
